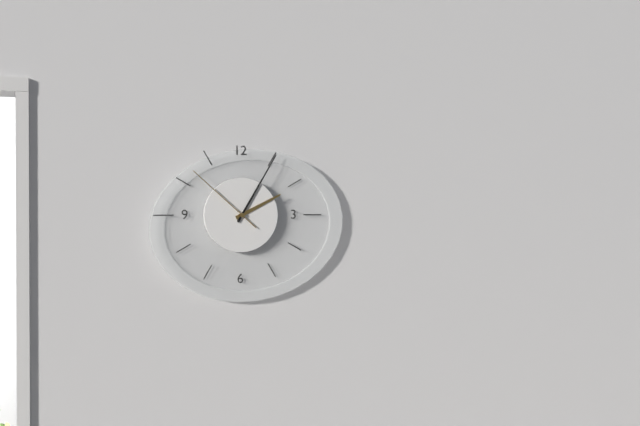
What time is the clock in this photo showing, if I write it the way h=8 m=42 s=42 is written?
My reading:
h=2 m=5 s=52
